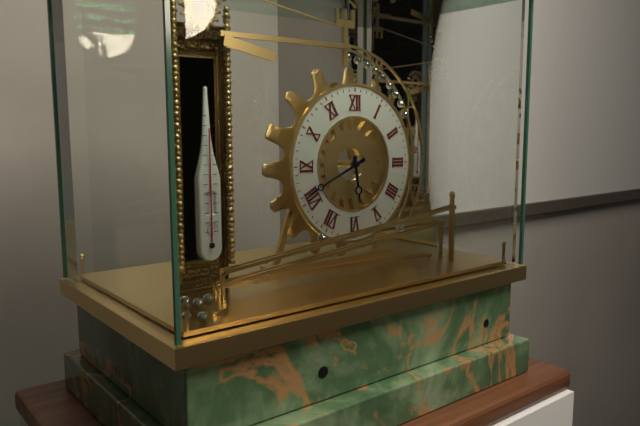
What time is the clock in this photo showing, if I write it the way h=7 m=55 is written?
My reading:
h=5 m=41
